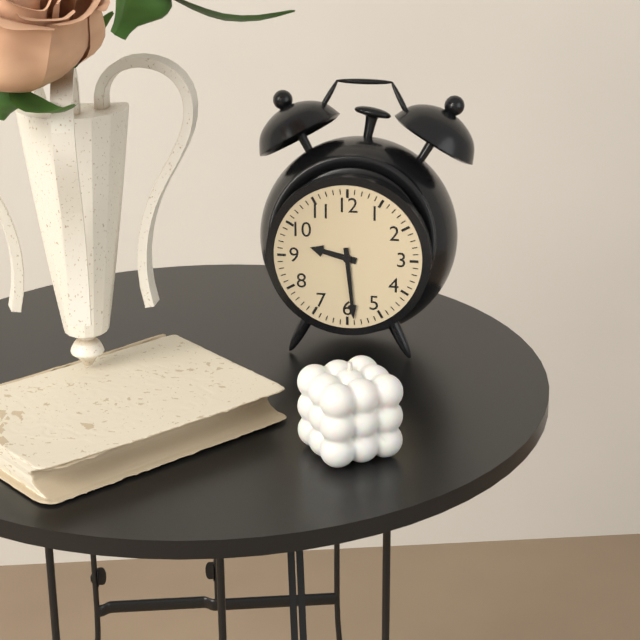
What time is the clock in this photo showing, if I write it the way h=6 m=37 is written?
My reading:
h=9 m=29
